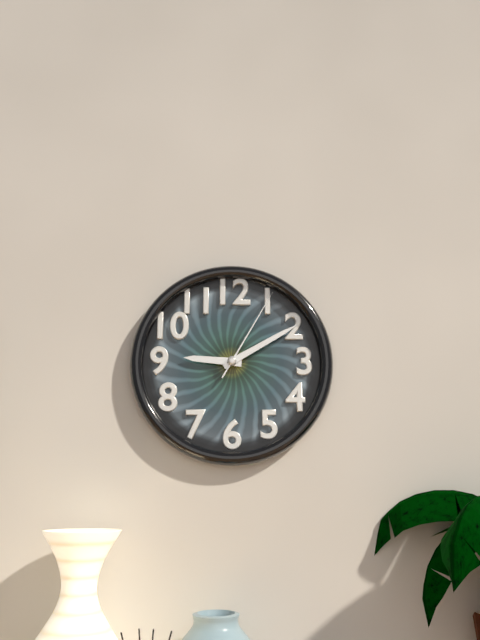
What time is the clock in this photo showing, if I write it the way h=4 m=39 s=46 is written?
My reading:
h=9 m=10 s=5
